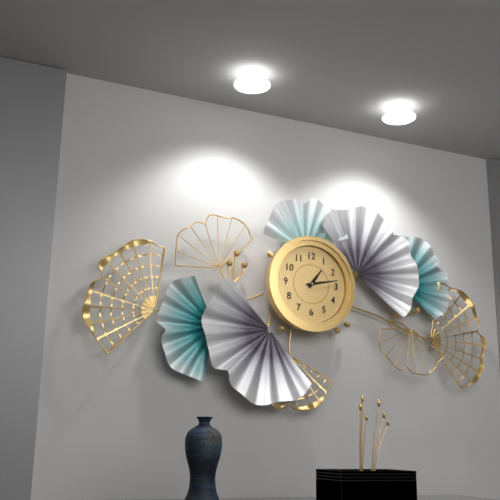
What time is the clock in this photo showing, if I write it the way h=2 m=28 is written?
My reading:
h=1 m=13
